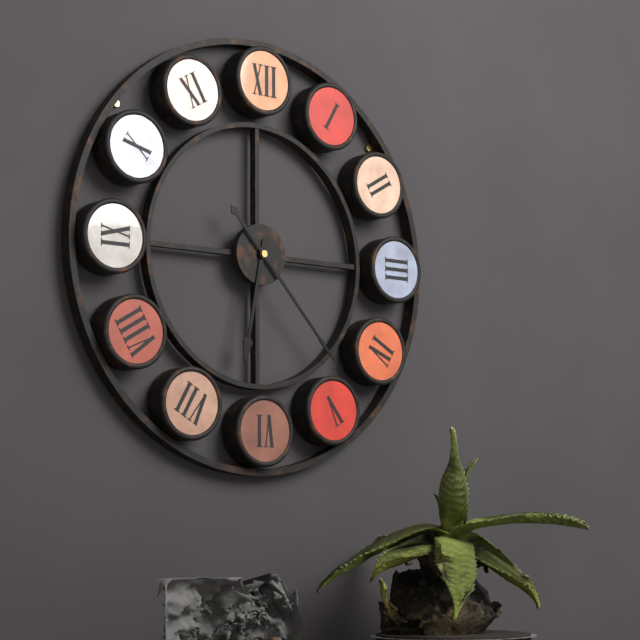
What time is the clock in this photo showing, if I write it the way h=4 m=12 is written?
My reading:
h=6 m=23
